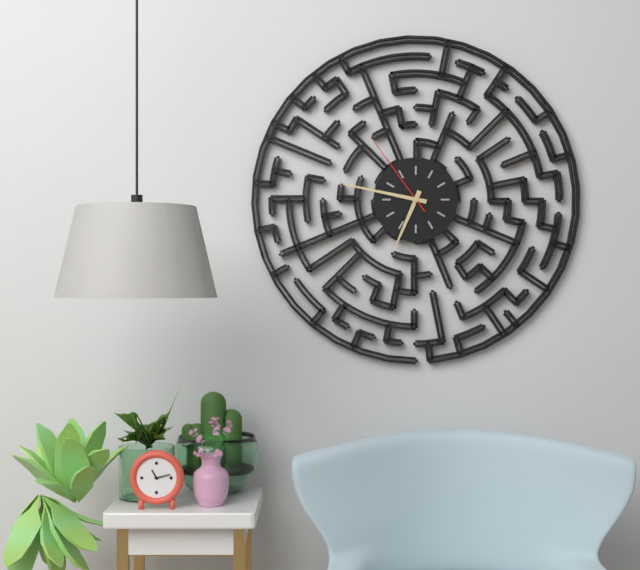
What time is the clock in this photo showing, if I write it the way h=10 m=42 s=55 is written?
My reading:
h=6 m=47 s=54
